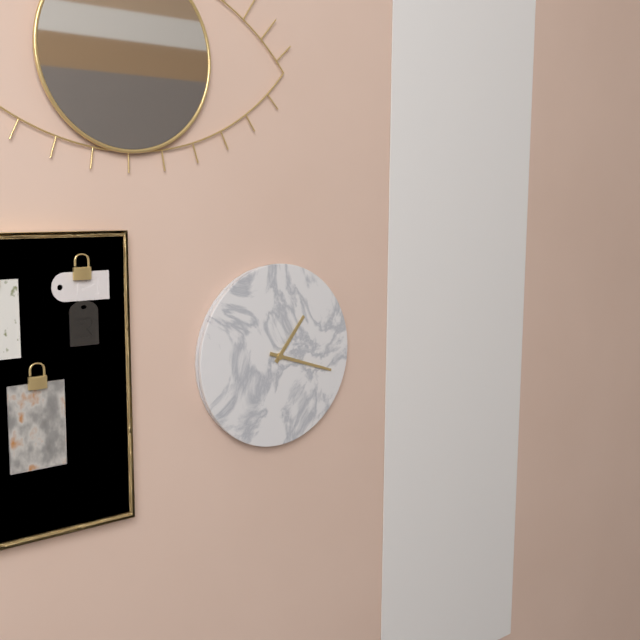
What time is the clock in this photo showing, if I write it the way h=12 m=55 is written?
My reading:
h=1 m=18
